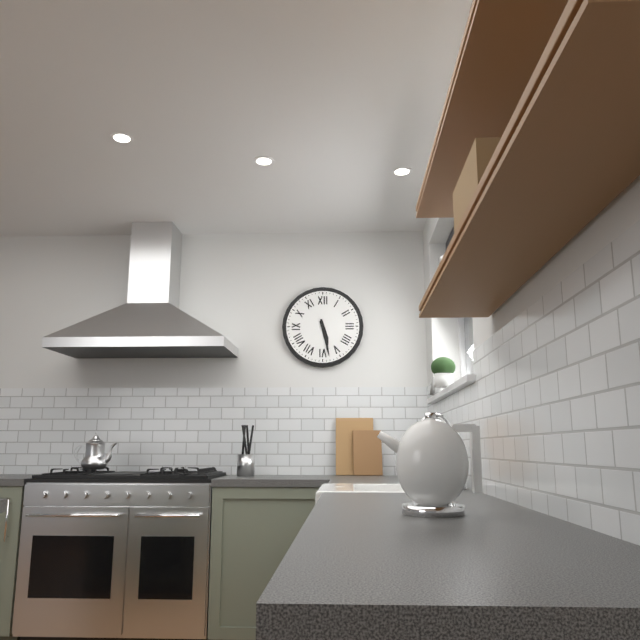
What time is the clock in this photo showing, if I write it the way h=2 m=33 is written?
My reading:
h=5 m=28
